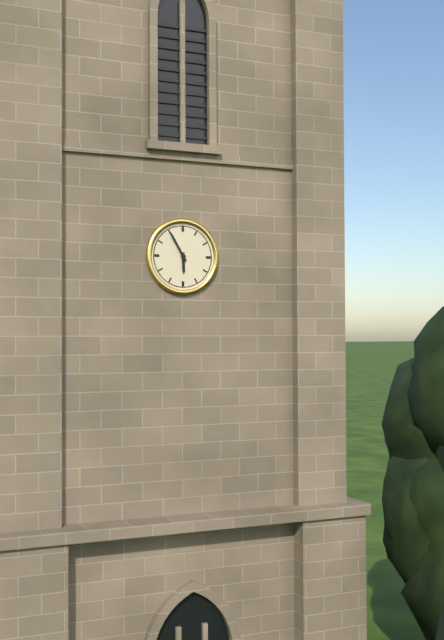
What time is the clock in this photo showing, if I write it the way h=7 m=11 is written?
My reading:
h=5 m=55
